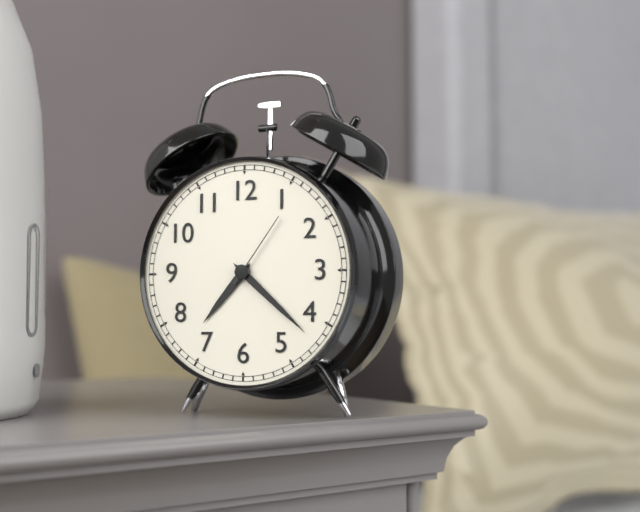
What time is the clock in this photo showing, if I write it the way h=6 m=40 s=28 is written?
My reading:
h=7 m=22 s=6
